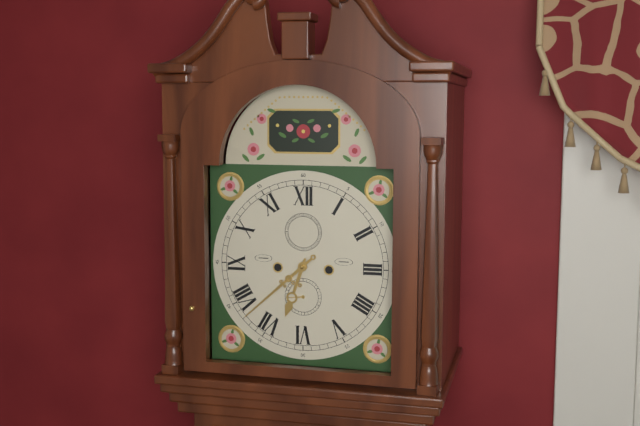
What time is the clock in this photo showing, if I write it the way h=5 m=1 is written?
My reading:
h=6 m=38
